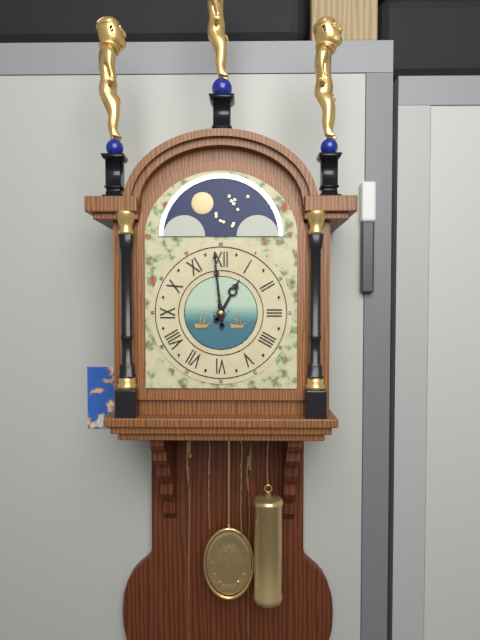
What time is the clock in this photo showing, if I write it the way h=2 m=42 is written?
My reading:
h=12 m=59
